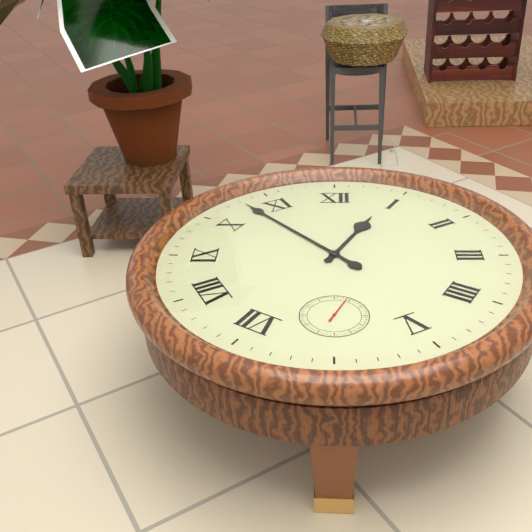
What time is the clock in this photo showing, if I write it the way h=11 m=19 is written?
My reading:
h=12 m=53
